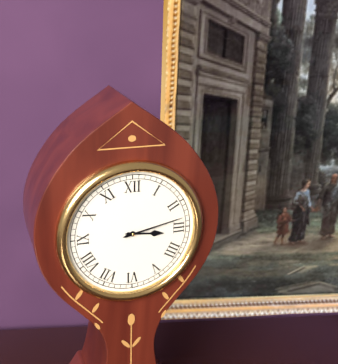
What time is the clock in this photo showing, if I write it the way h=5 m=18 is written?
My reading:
h=3 m=13
